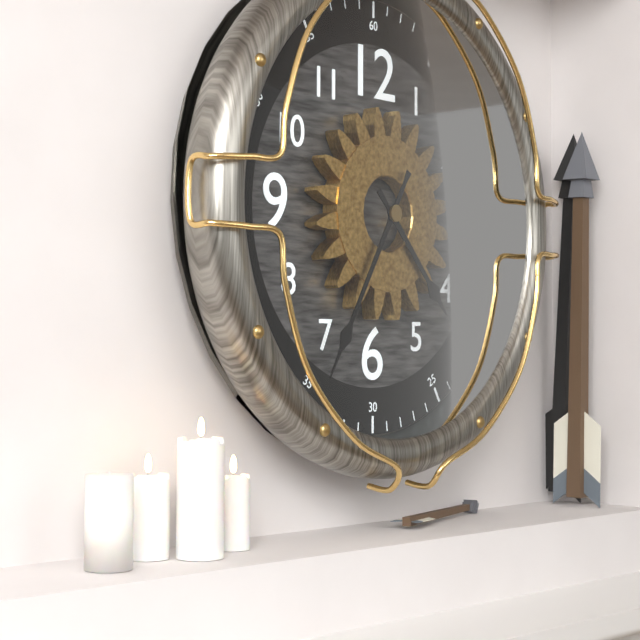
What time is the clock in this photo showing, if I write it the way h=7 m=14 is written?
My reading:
h=4 m=35
